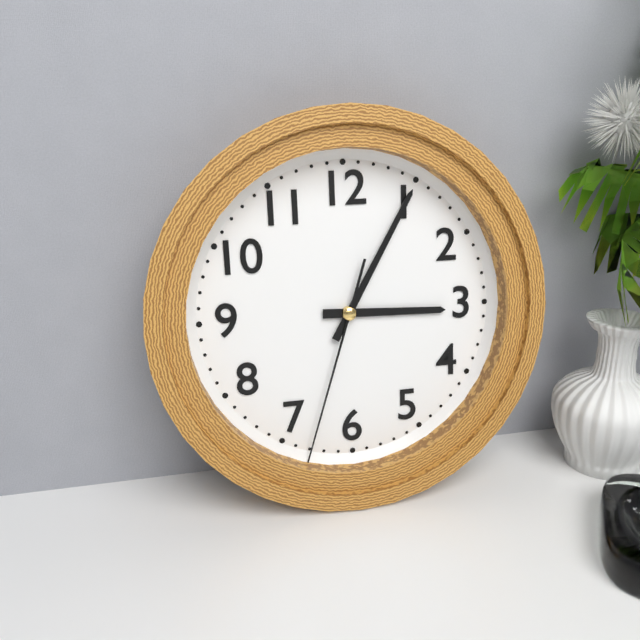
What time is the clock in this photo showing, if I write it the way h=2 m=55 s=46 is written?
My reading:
h=3 m=5 s=33
